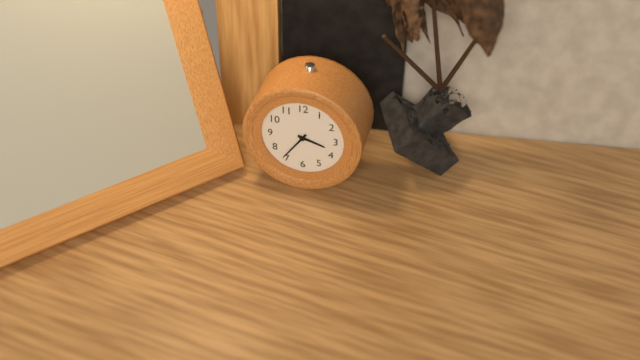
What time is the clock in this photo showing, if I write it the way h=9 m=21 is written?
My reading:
h=3 m=36
